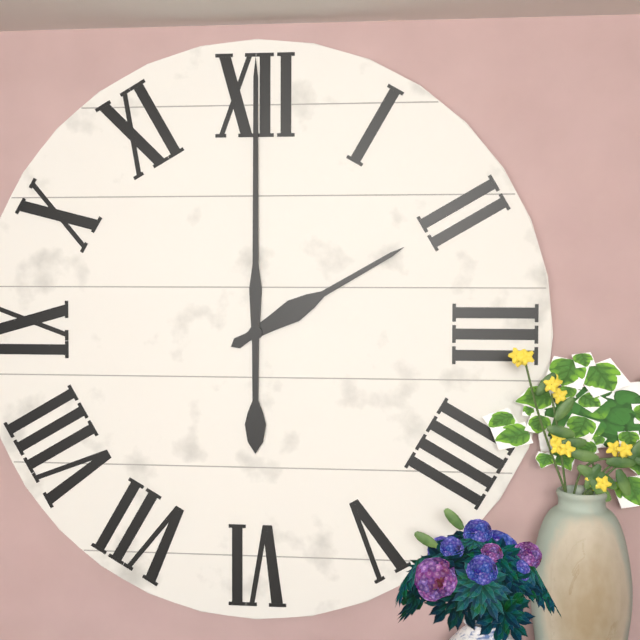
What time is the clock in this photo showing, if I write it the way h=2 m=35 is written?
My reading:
h=2 m=0
